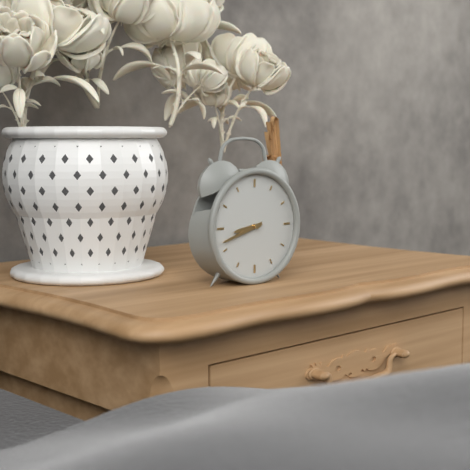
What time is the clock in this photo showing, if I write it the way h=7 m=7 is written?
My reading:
h=8 m=42
